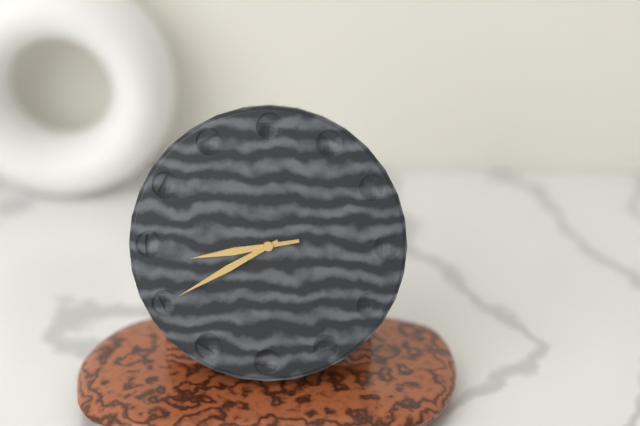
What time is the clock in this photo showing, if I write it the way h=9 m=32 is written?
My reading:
h=8 m=40
